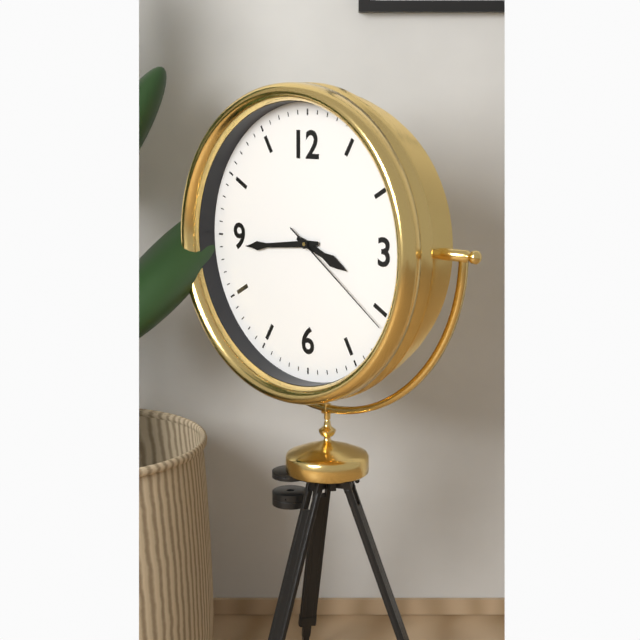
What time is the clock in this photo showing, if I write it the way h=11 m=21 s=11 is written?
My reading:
h=3 m=44 s=21
